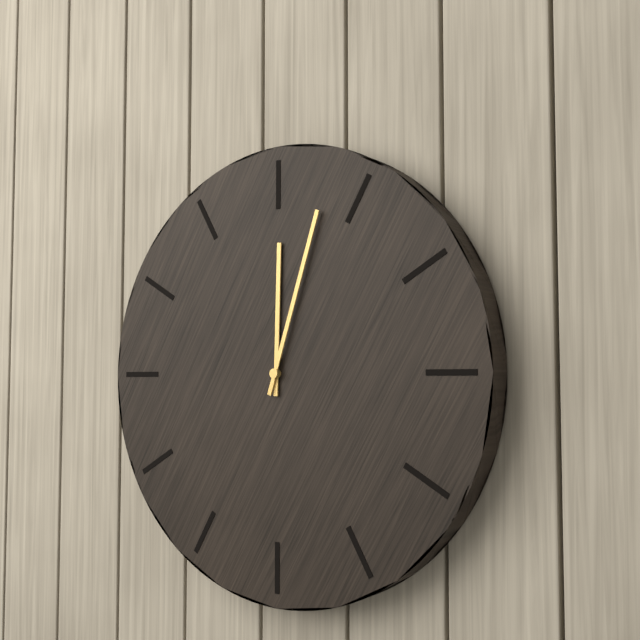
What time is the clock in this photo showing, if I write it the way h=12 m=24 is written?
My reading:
h=12 m=3
